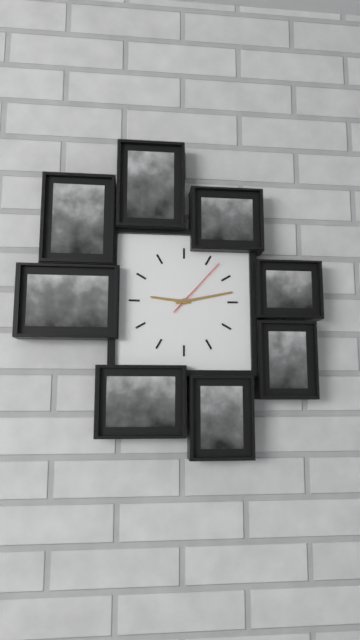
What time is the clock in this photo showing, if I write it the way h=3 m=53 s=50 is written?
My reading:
h=9 m=13 s=7
